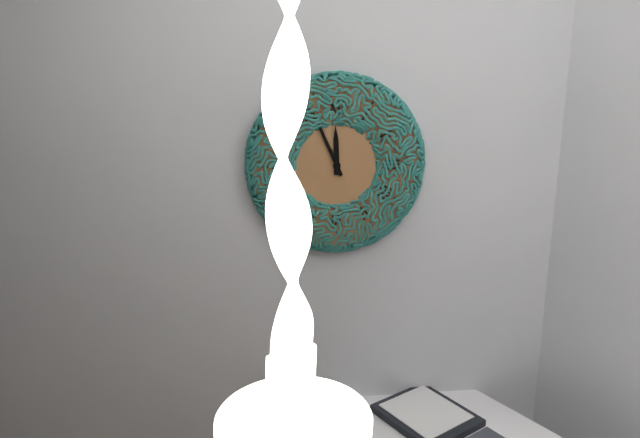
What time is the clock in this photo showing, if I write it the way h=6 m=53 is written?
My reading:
h=11 m=56
